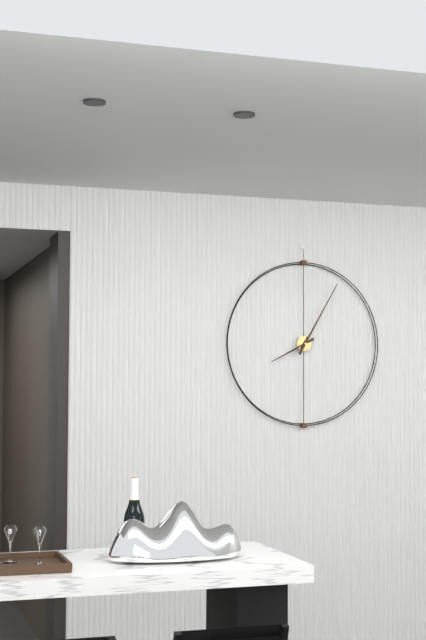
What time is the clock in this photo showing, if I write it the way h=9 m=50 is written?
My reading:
h=8 m=5
